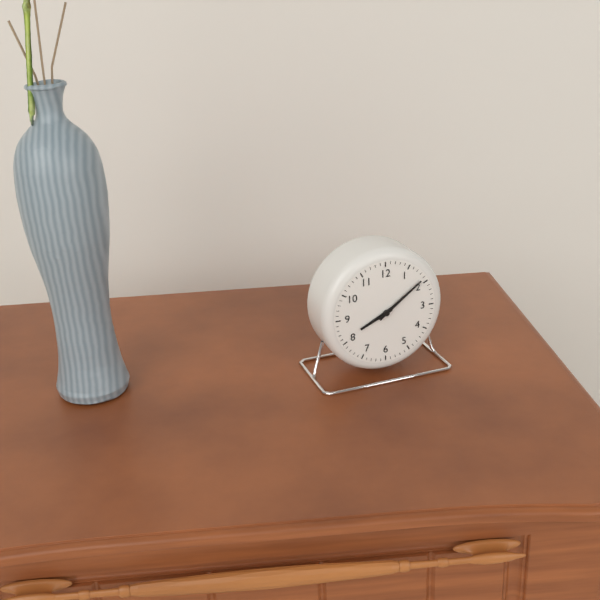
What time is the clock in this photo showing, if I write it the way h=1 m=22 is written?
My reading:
h=8 m=9
